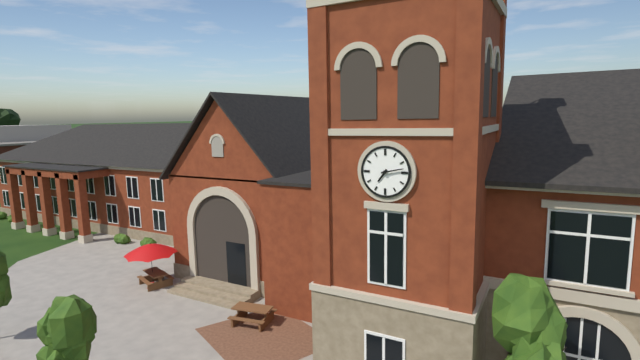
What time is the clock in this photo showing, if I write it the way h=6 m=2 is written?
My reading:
h=7 m=13
